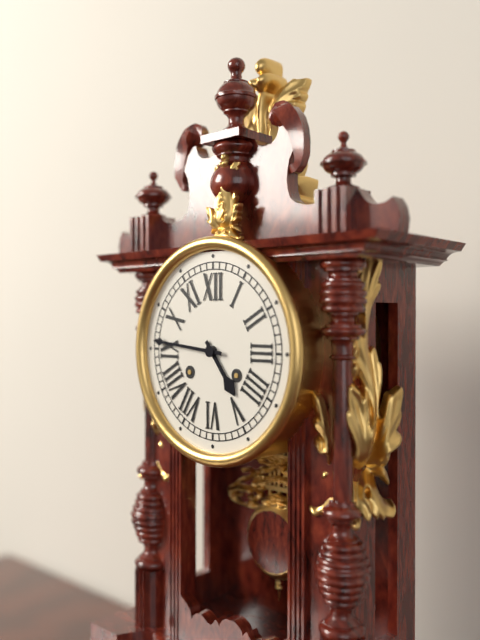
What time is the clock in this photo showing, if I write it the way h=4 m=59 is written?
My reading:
h=4 m=46
